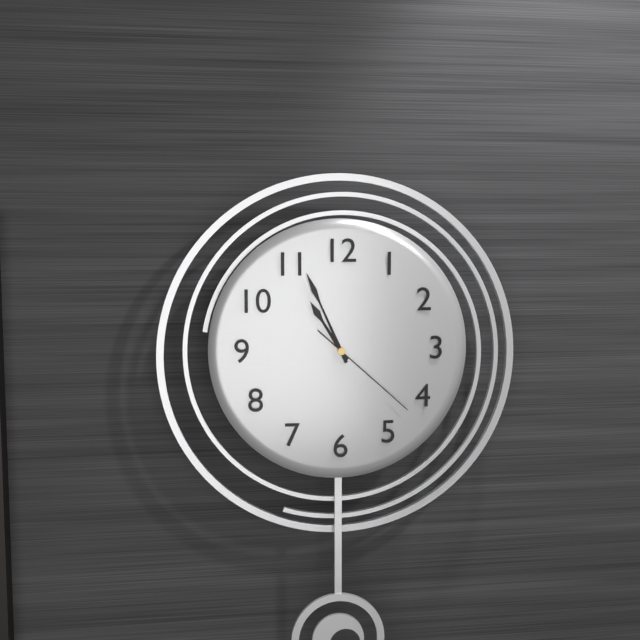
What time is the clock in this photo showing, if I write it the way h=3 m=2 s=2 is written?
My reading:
h=10 m=56 s=22
